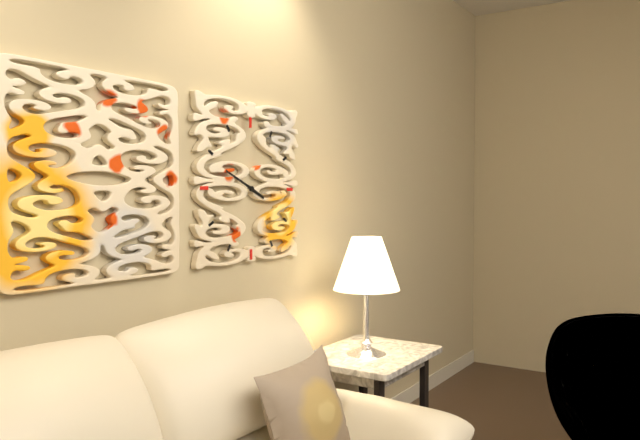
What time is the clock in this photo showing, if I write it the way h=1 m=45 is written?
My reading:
h=3 m=49
